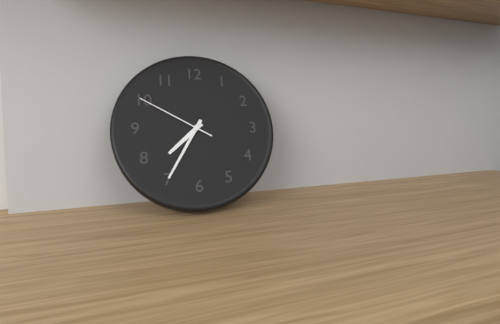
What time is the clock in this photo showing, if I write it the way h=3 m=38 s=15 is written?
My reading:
h=7 m=35 s=50
